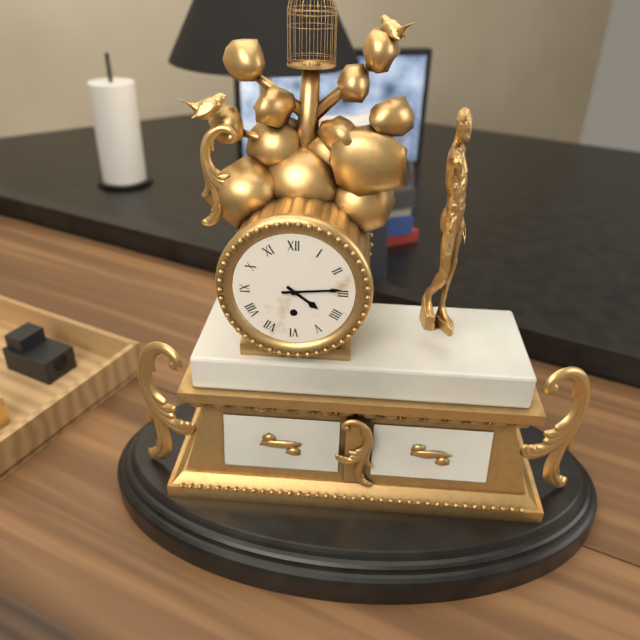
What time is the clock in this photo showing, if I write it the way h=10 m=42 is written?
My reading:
h=4 m=14
